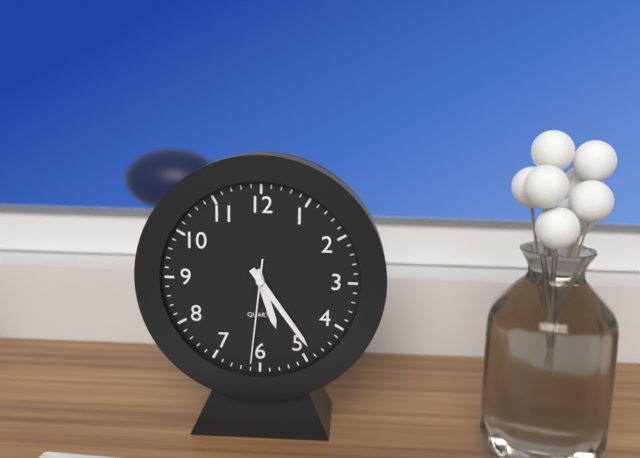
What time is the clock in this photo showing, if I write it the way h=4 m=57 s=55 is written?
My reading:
h=5 m=24 s=31
